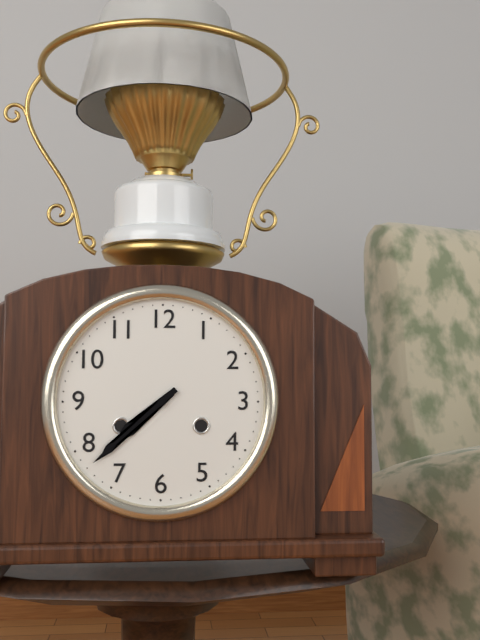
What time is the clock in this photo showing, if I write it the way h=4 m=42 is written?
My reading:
h=7 m=38
